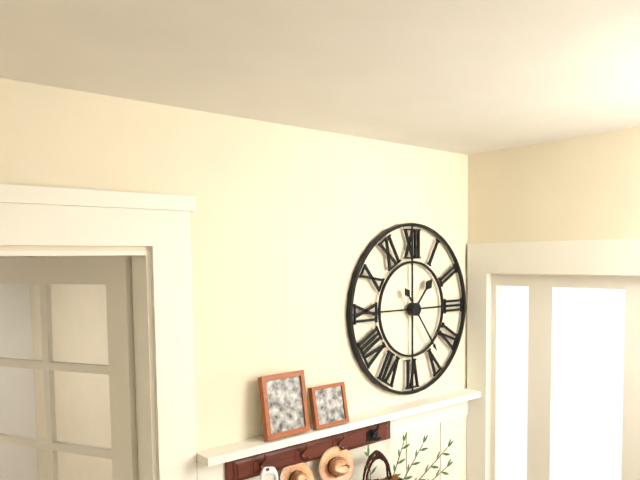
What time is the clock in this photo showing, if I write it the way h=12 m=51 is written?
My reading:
h=1 m=24
